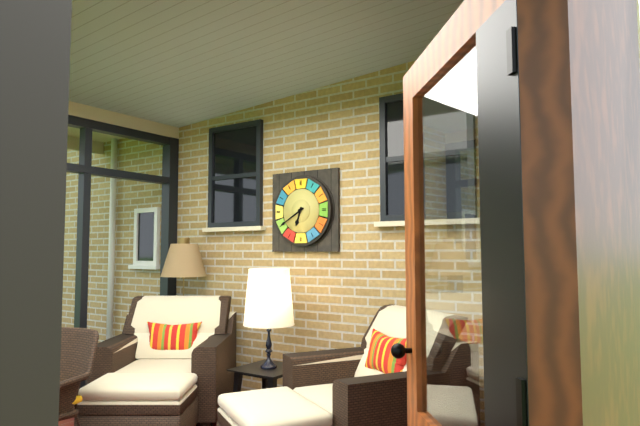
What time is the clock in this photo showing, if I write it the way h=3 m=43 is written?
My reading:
h=6 m=40
